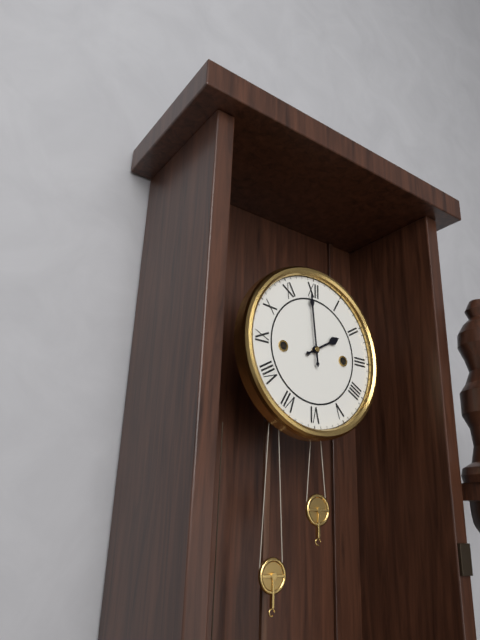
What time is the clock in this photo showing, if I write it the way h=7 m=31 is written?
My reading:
h=1 m=59
